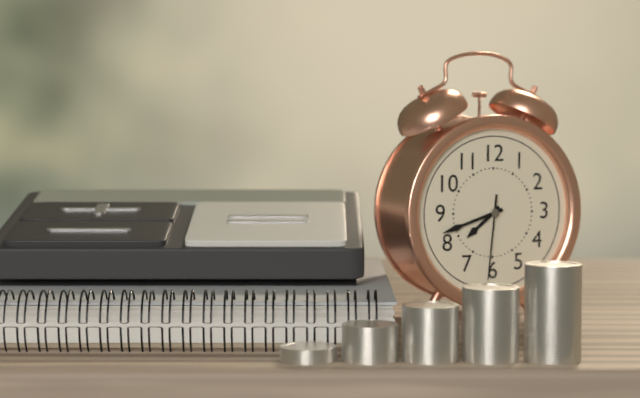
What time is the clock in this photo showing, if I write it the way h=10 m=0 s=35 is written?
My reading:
h=7 m=42 s=31
